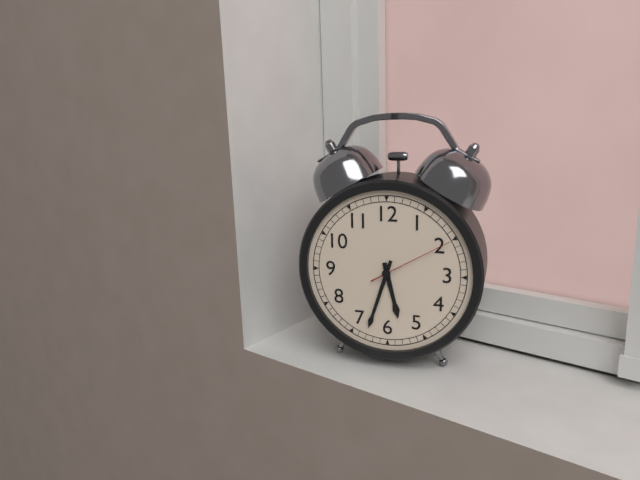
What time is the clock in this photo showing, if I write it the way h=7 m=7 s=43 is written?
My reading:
h=5 m=33 s=10
